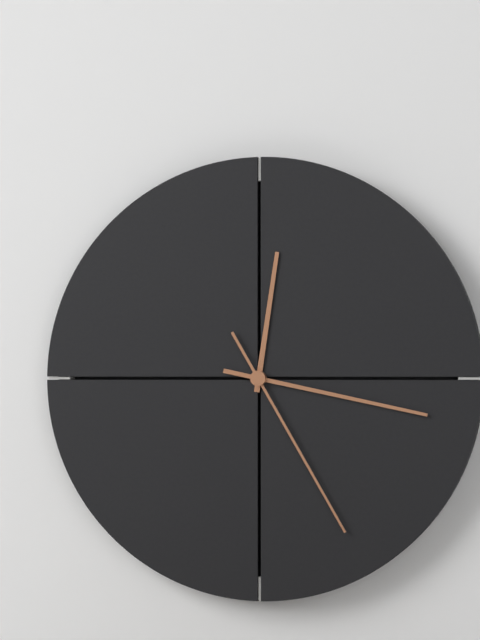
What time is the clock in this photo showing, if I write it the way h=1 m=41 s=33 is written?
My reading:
h=12 m=17 s=25
